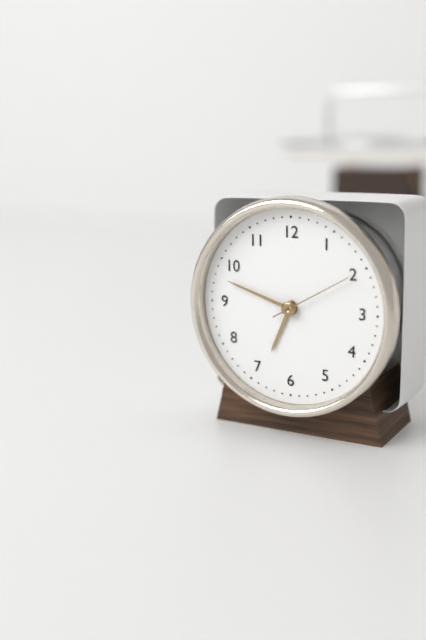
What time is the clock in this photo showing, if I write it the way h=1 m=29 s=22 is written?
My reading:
h=6 m=48 s=10
